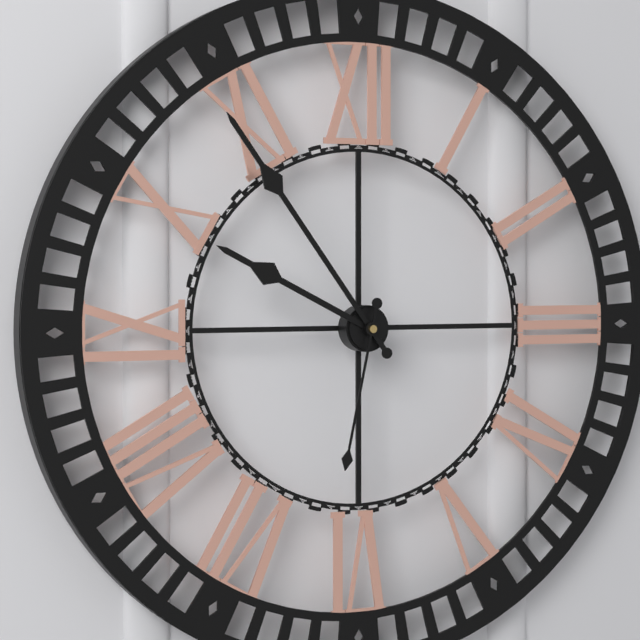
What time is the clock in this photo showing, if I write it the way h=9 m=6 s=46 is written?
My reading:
h=9 m=54 s=32
